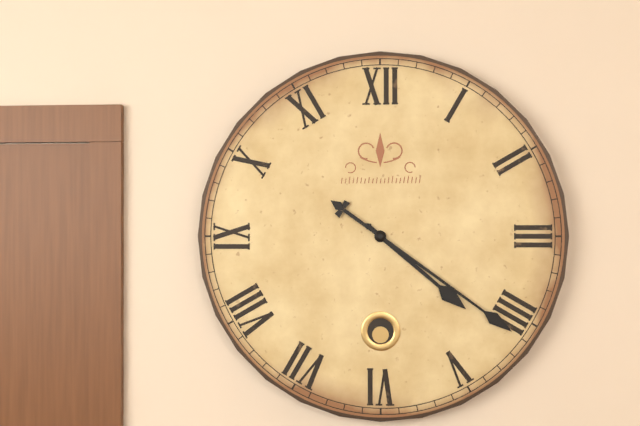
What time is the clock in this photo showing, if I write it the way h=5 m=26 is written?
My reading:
h=4 m=21
